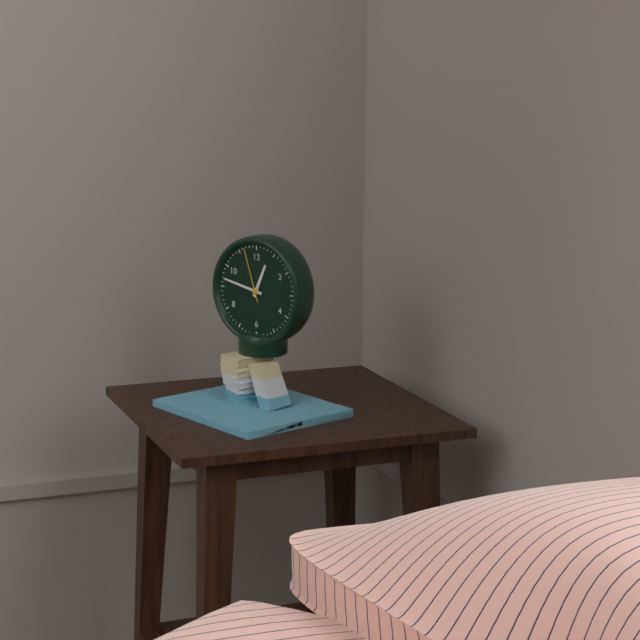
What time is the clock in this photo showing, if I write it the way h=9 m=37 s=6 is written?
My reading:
h=12 m=47 s=57
